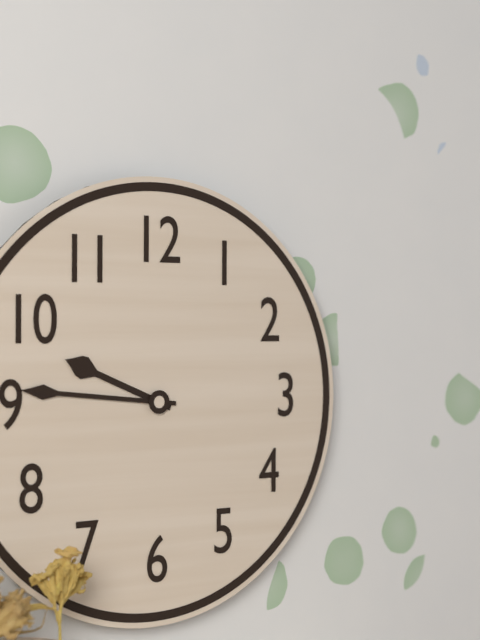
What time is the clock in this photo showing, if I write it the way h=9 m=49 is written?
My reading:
h=9 m=46
